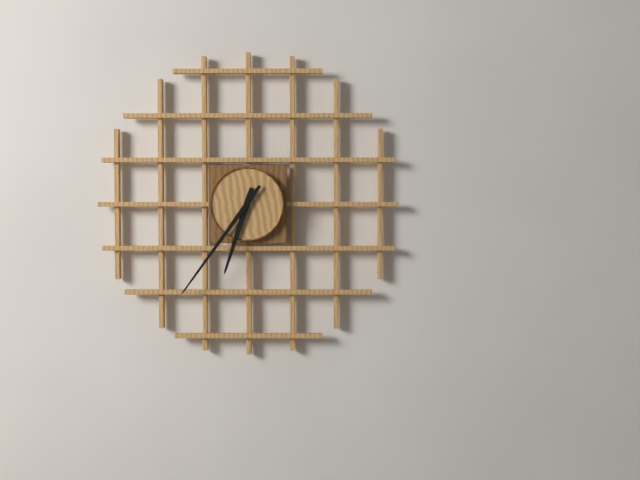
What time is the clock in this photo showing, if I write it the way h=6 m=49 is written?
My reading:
h=6 m=36
